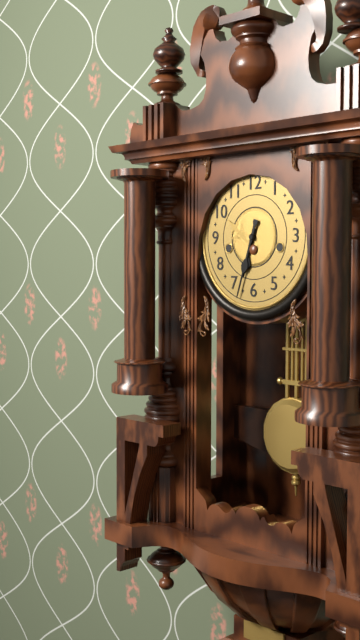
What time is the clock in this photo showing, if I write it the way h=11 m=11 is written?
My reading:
h=6 m=33
